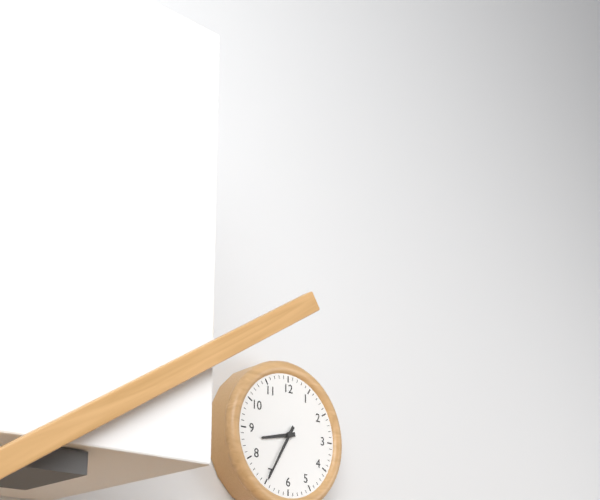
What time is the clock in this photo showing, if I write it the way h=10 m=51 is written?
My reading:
h=8 m=35
